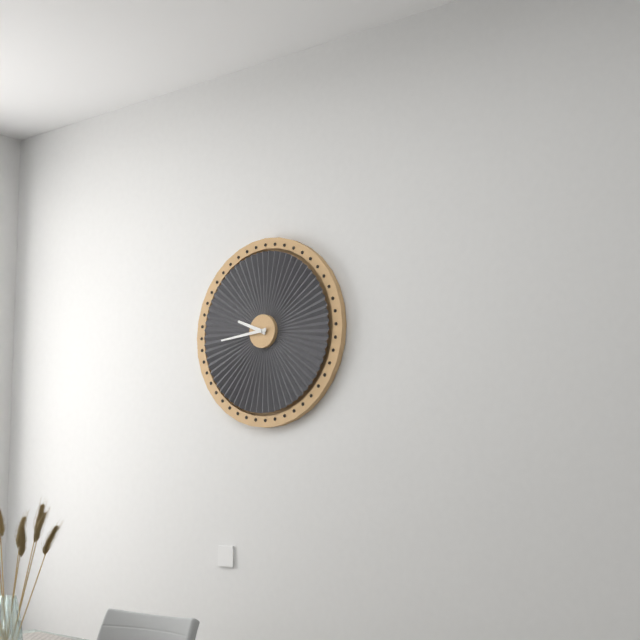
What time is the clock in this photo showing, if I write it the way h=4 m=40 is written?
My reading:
h=9 m=44
